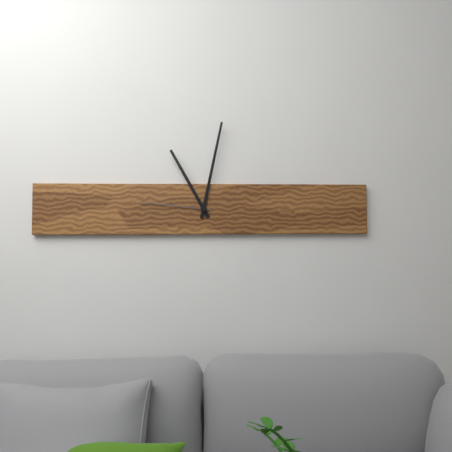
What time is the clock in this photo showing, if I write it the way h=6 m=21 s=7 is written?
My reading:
h=11 m=2 s=46
